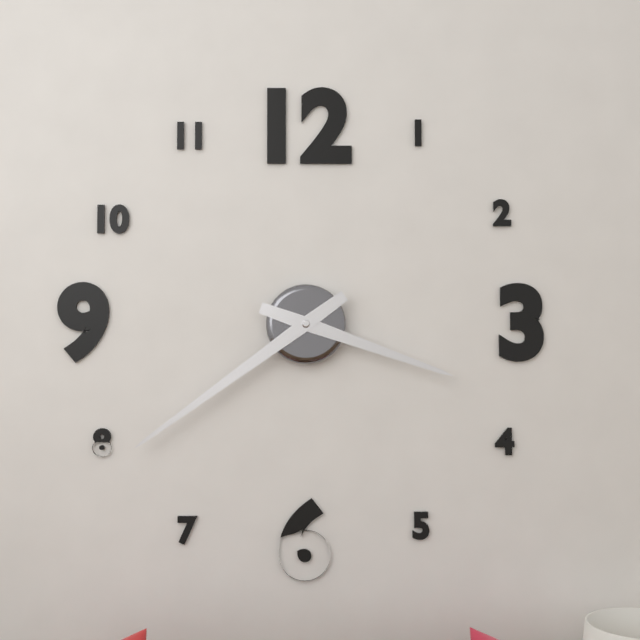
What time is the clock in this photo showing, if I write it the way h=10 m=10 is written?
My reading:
h=3 m=39
